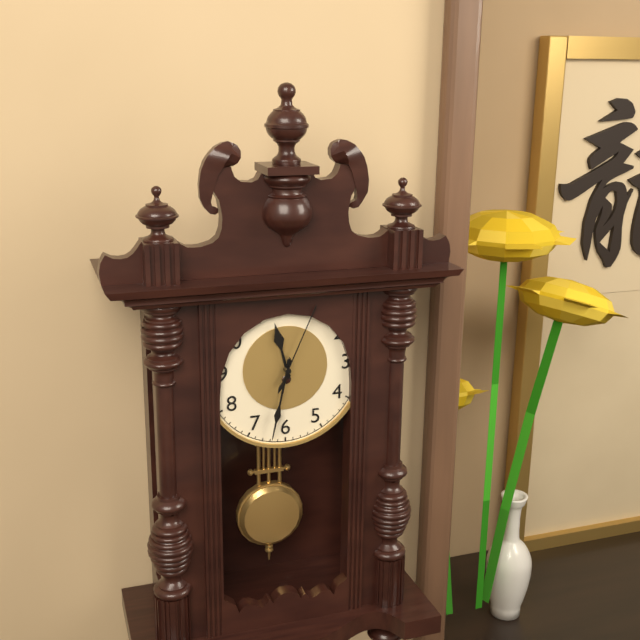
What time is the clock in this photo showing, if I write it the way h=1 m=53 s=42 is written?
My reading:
h=11 m=32 s=4
